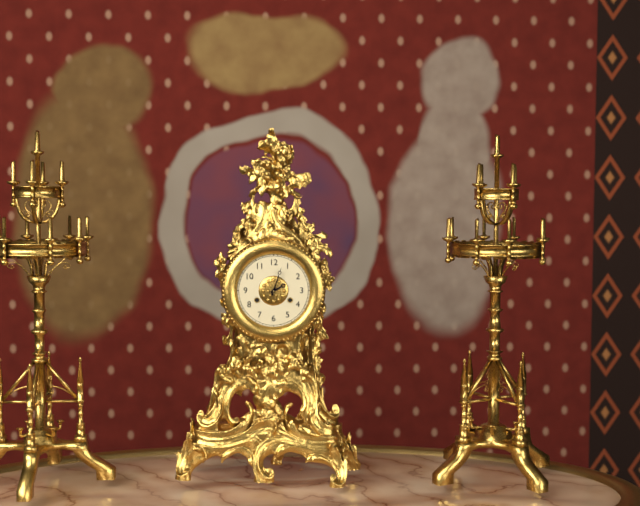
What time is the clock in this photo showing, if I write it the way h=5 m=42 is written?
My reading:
h=2 m=3
